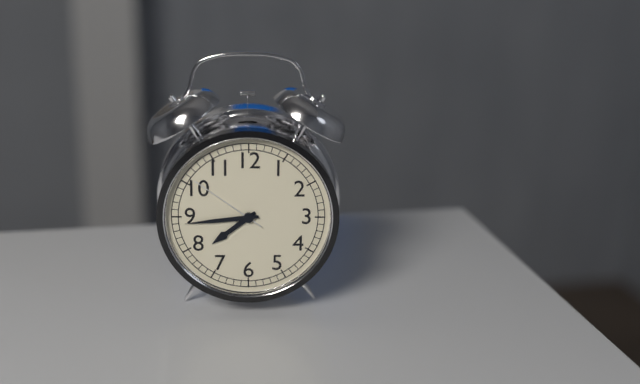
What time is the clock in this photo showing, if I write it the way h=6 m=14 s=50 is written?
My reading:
h=7 m=44 s=51
